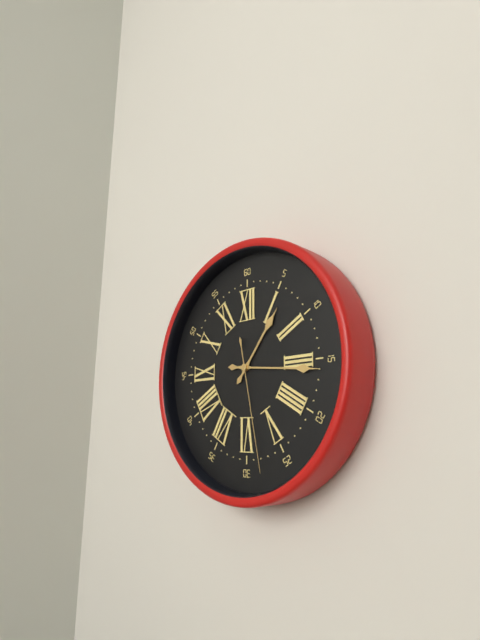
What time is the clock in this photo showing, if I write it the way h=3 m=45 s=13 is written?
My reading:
h=1 m=16 s=28
